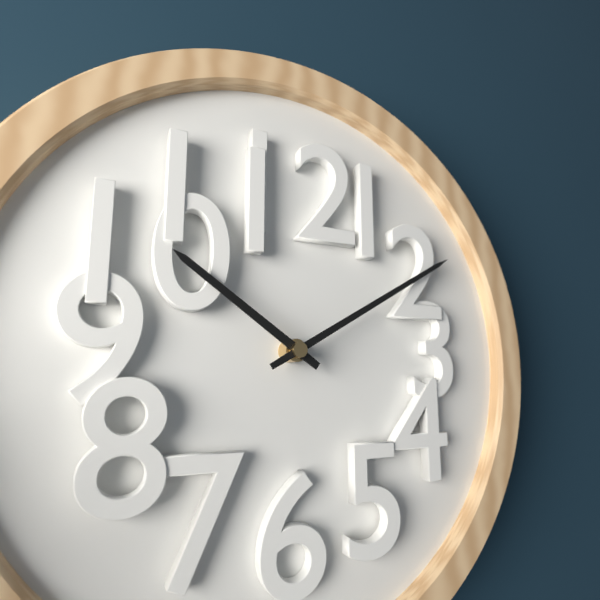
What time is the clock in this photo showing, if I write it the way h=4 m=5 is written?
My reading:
h=10 m=10
